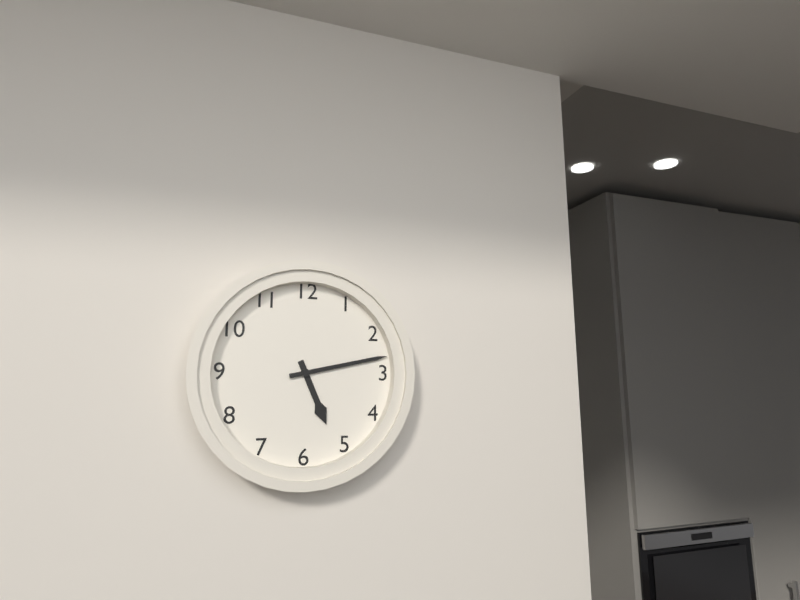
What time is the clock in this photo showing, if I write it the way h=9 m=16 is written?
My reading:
h=5 m=13
